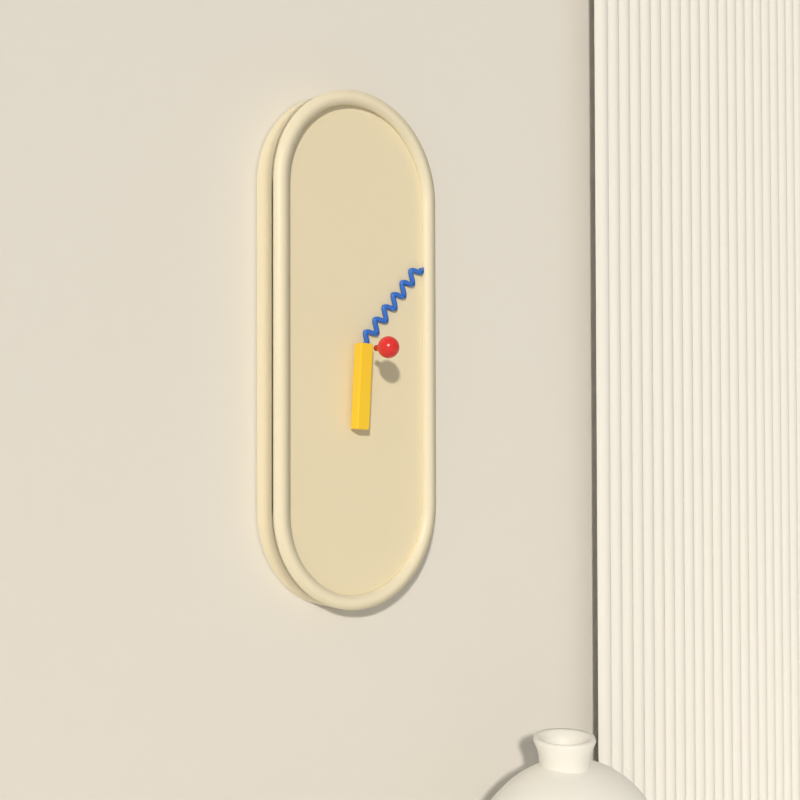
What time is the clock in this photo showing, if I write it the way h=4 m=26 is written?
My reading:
h=6 m=7
